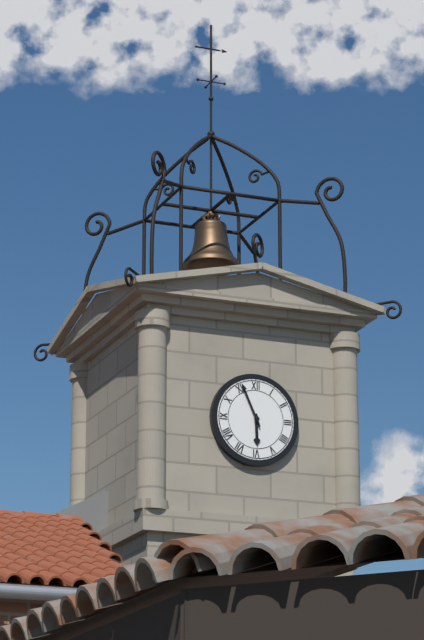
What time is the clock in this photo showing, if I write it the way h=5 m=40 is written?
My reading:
h=5 m=56
